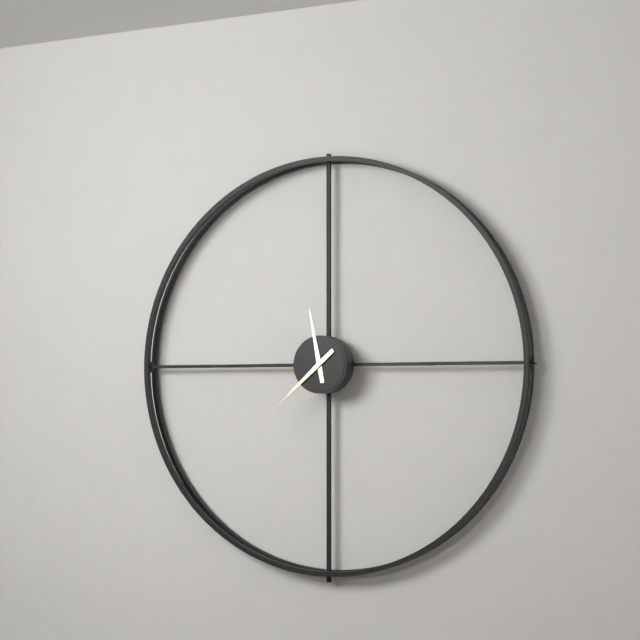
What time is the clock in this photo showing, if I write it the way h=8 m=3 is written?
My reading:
h=11 m=38
